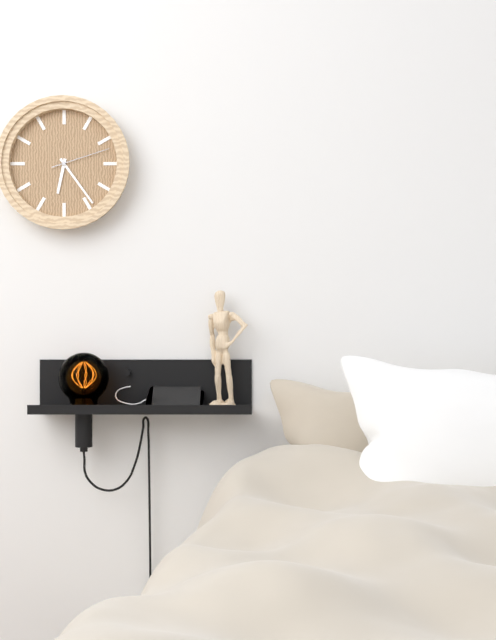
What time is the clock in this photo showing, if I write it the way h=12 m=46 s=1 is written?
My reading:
h=6 m=24 s=12
